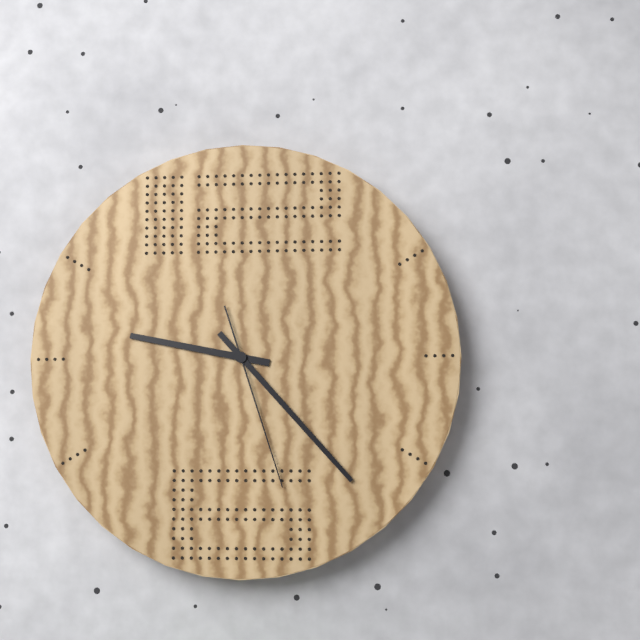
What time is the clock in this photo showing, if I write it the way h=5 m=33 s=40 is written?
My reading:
h=9 m=23 s=27
